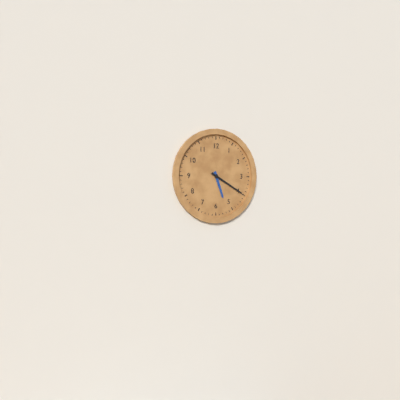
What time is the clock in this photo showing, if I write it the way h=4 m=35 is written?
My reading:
h=5 m=20
